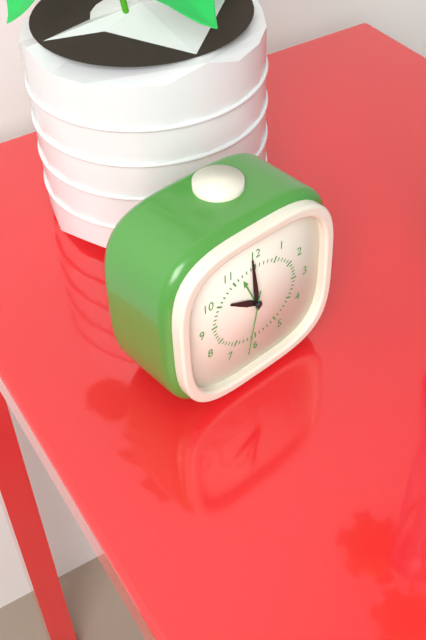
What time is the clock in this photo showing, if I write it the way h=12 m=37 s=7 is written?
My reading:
h=9 m=59 s=32
